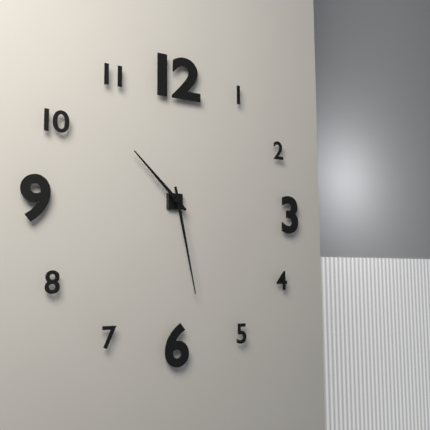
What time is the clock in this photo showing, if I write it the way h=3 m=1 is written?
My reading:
h=10 m=28
